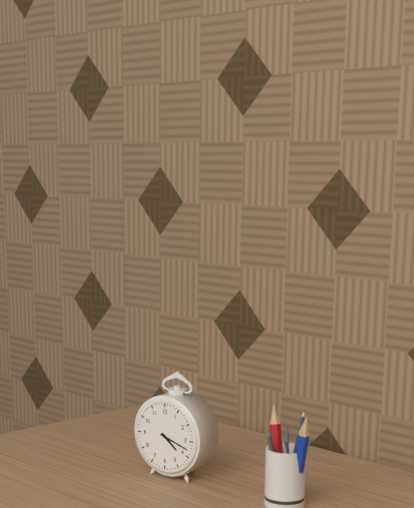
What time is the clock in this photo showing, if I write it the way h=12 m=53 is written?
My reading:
h=4 m=18
